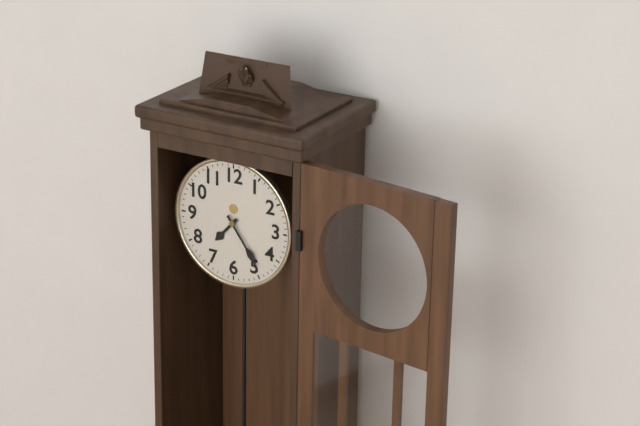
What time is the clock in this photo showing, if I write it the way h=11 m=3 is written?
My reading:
h=7 m=24
